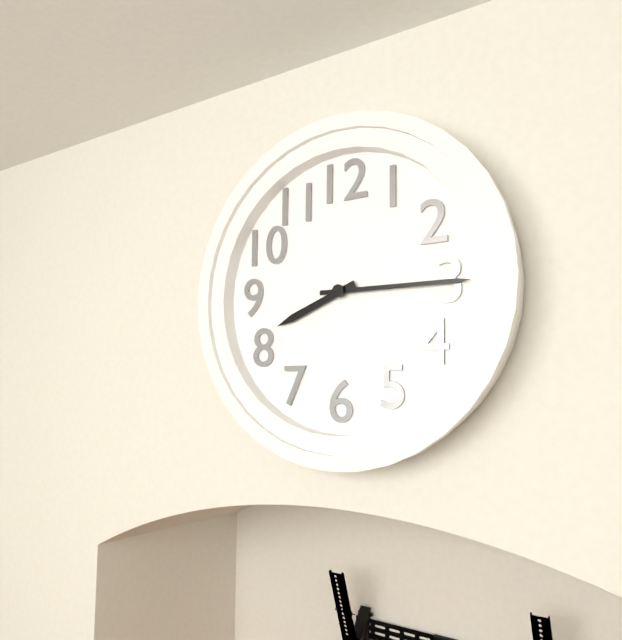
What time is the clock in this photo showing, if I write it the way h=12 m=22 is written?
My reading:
h=8 m=15
